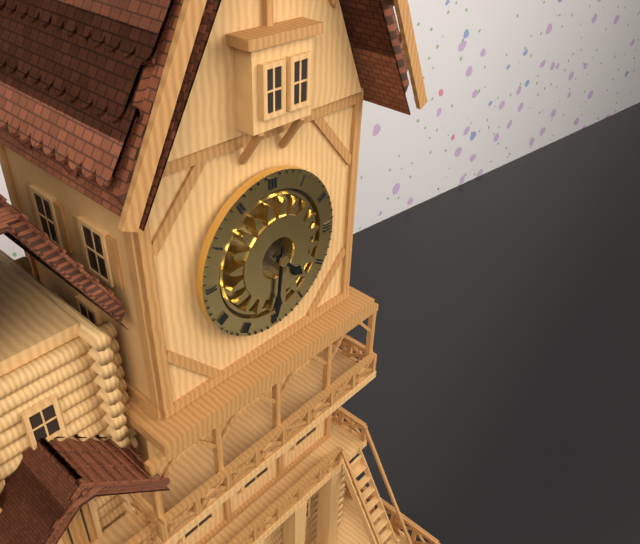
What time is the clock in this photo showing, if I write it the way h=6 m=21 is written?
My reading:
h=4 m=31
